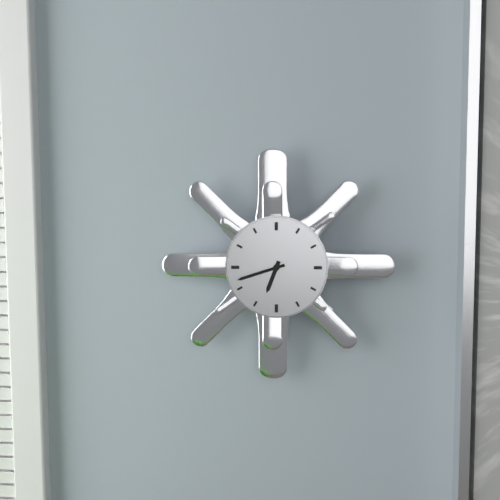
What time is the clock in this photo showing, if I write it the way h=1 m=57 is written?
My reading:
h=6 m=42
